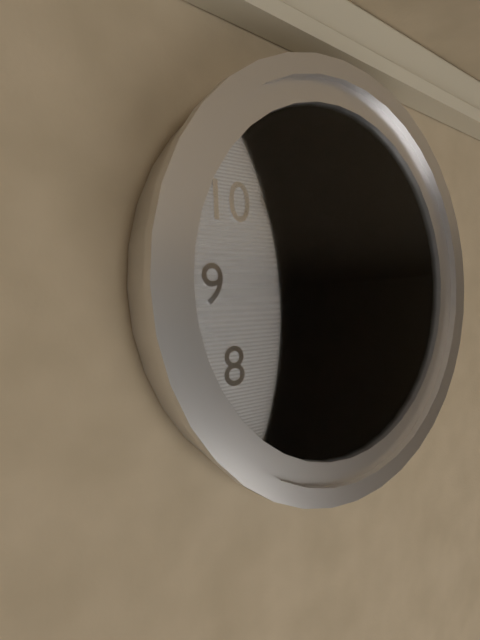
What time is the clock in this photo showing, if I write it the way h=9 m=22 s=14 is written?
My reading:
h=4 m=52 s=4
